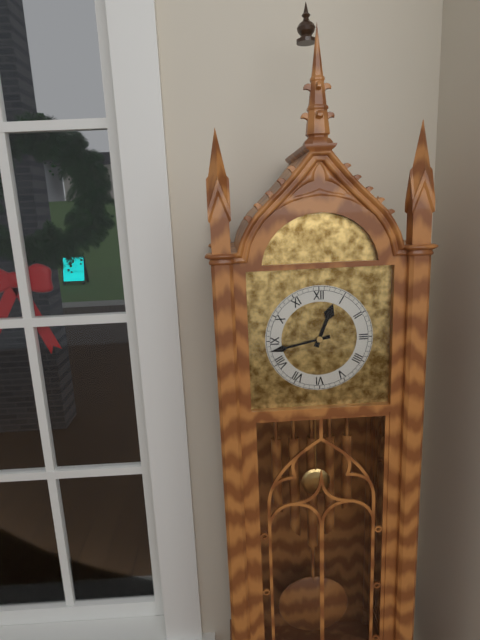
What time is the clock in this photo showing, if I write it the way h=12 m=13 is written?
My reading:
h=12 m=43
